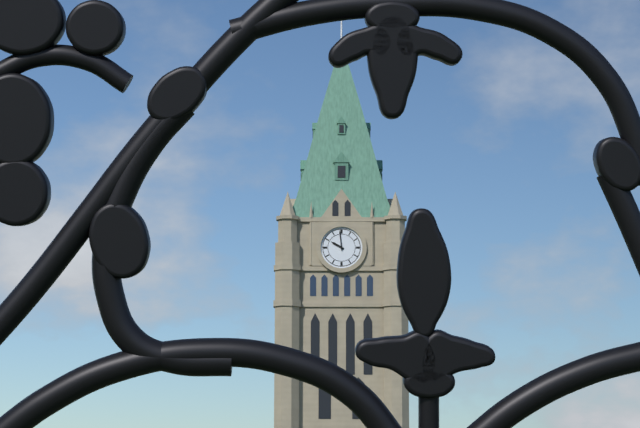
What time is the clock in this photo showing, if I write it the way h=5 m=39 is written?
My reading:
h=9 m=59
